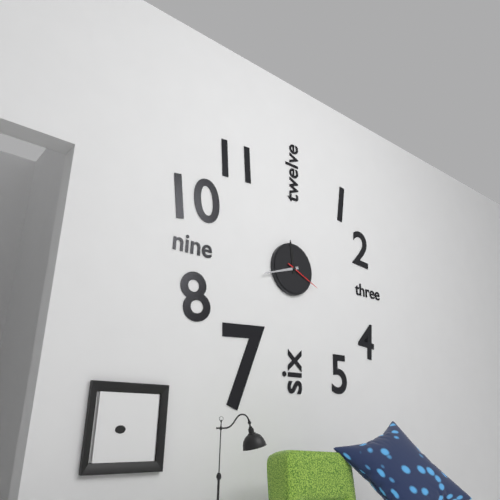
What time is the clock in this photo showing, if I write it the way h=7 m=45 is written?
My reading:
h=11 m=42
